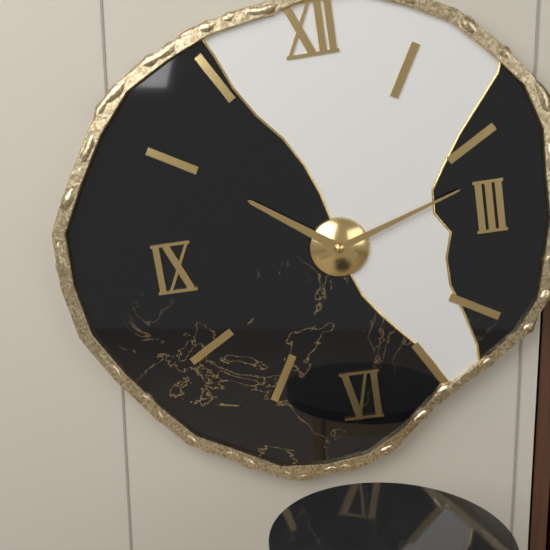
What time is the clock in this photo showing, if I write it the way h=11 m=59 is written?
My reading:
h=10 m=12
